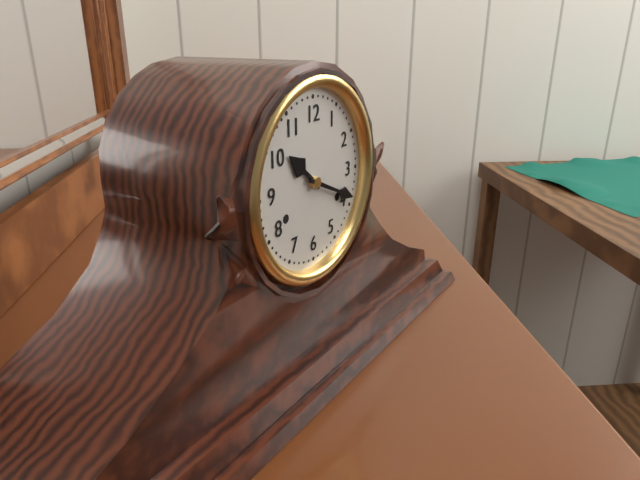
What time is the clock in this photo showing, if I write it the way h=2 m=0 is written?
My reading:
h=10 m=19
